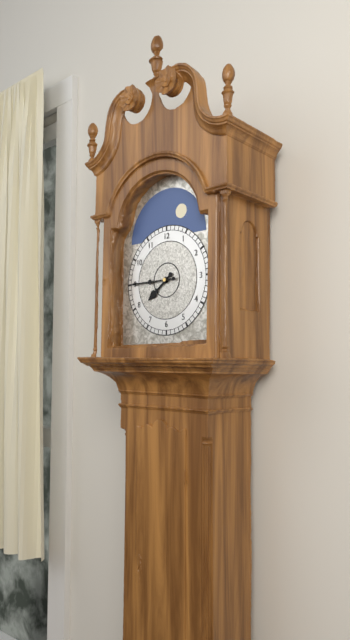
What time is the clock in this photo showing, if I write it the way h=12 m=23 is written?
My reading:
h=7 m=45
